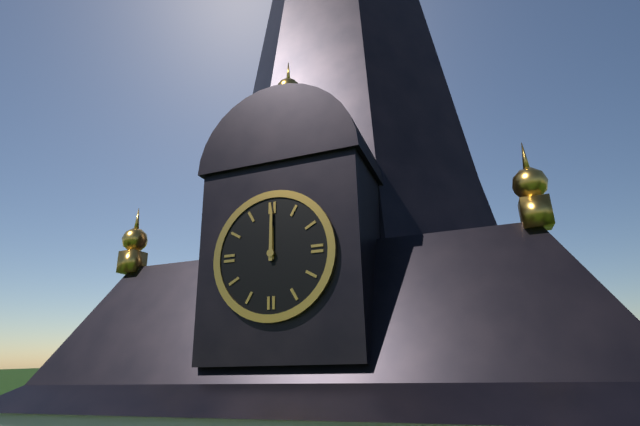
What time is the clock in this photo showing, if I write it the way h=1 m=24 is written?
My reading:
h=12 m=0
